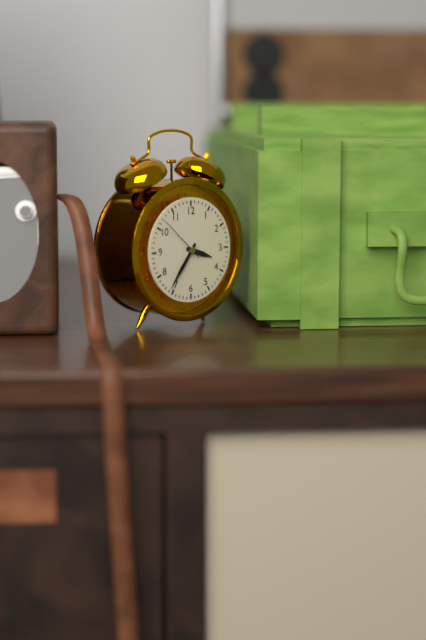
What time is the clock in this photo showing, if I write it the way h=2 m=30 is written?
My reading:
h=3 m=36
